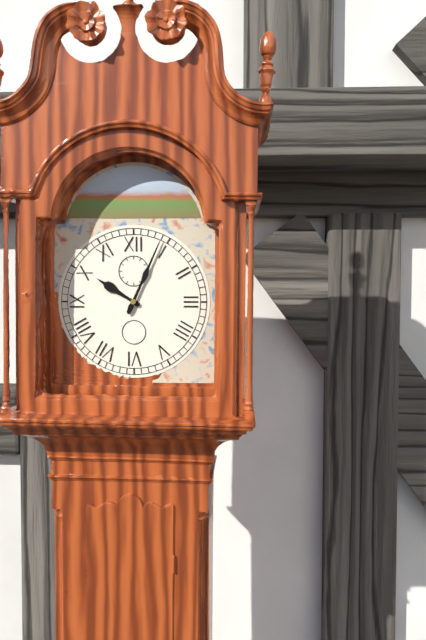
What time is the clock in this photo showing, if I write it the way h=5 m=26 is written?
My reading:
h=10 m=4
